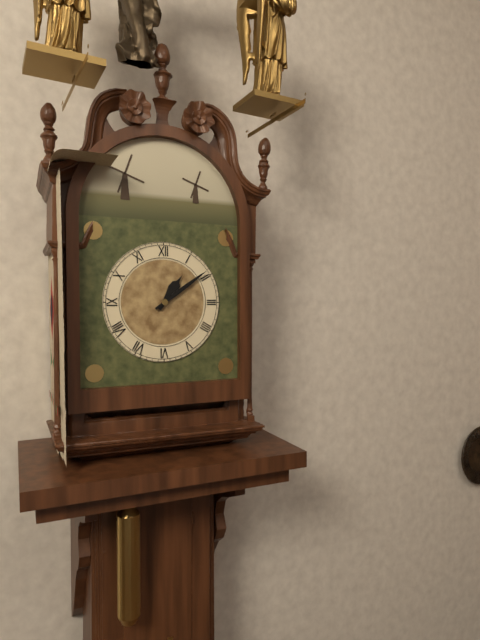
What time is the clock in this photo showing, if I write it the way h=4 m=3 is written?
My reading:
h=1 m=9
